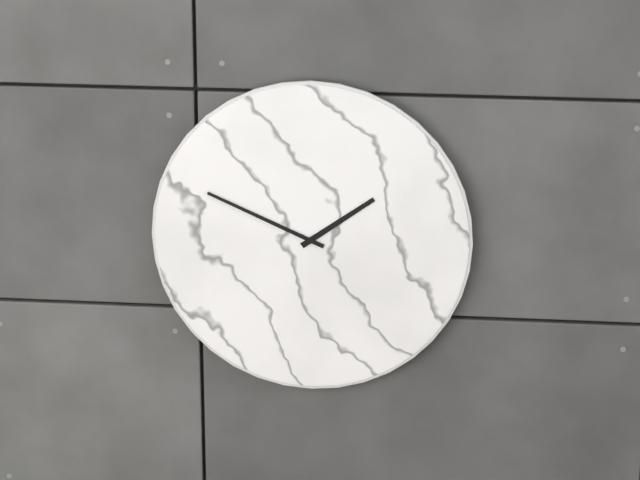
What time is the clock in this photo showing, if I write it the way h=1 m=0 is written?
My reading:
h=1 m=49
